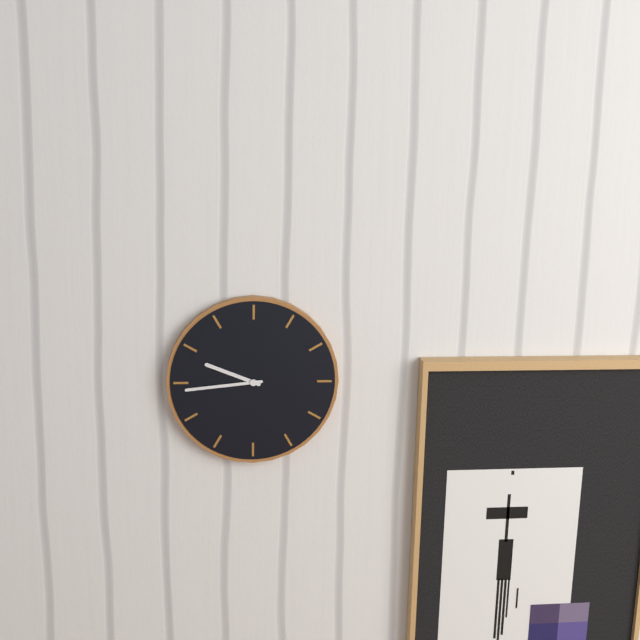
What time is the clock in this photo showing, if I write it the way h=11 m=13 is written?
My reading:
h=9 m=44
